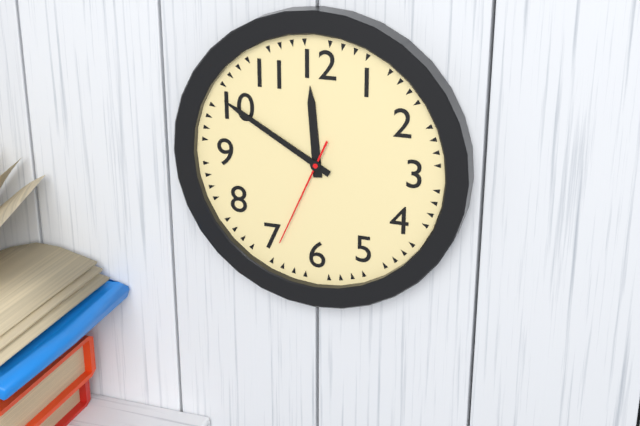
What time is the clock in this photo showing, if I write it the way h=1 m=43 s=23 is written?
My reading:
h=11 m=50 s=34
